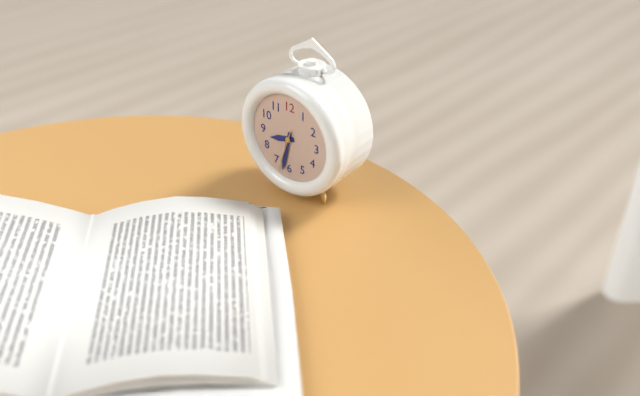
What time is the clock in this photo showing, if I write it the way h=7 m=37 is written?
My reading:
h=8 m=32
